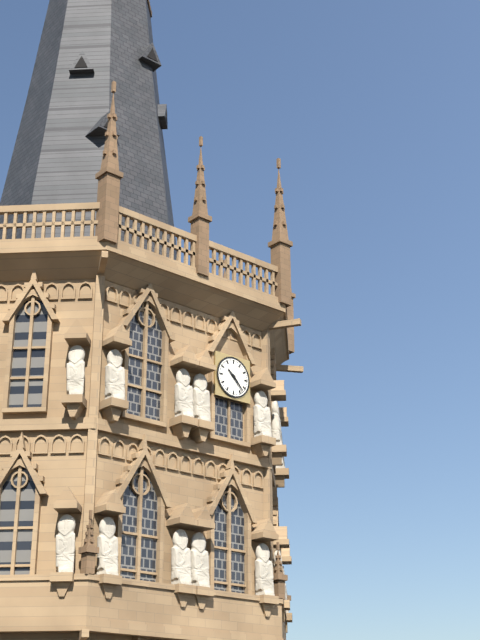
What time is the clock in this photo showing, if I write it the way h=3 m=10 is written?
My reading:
h=10 m=23
